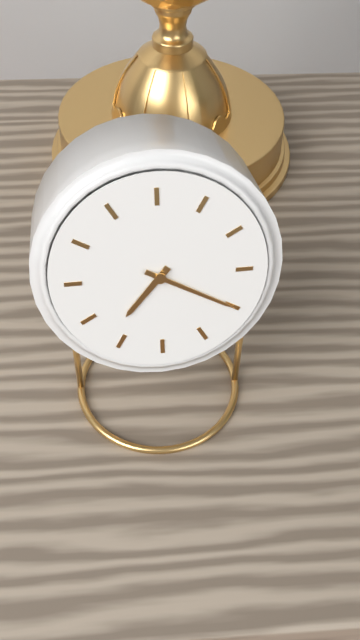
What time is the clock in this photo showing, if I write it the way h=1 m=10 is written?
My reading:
h=7 m=20
